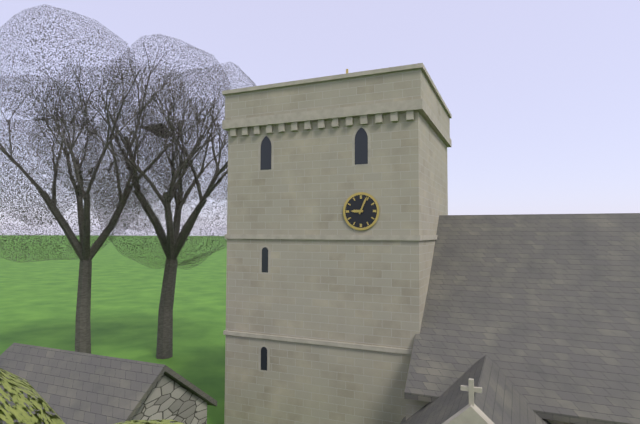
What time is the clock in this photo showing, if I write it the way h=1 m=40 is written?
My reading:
h=9 m=4
